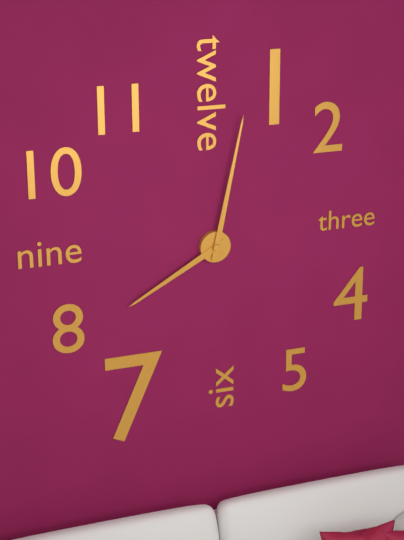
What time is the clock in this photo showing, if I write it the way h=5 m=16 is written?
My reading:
h=8 m=2
